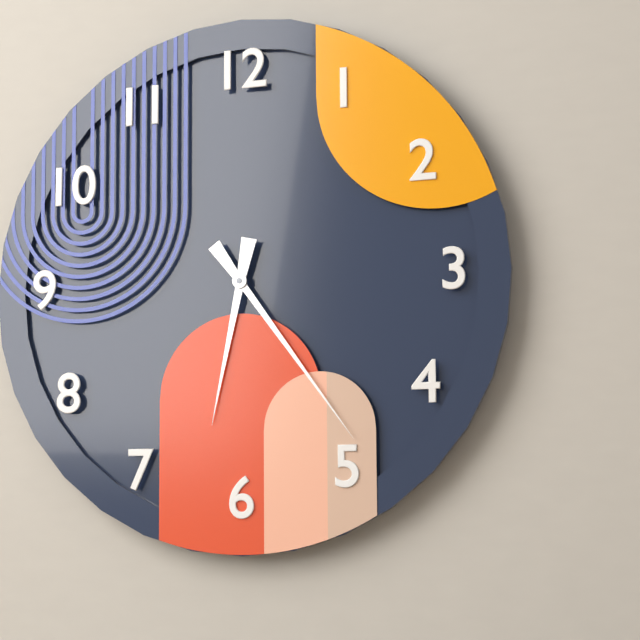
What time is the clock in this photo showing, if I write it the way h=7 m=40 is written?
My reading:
h=6 m=24
